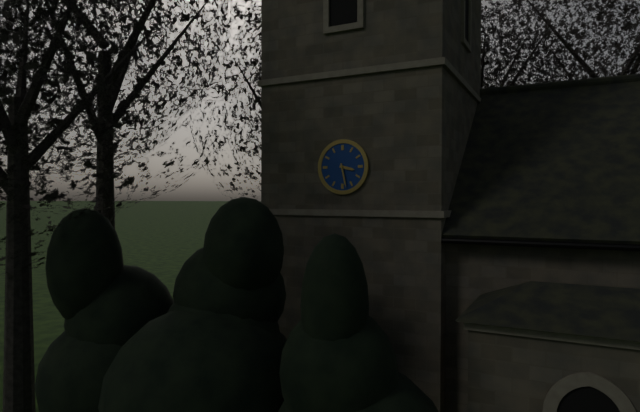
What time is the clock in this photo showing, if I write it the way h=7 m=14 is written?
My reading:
h=3 m=28
